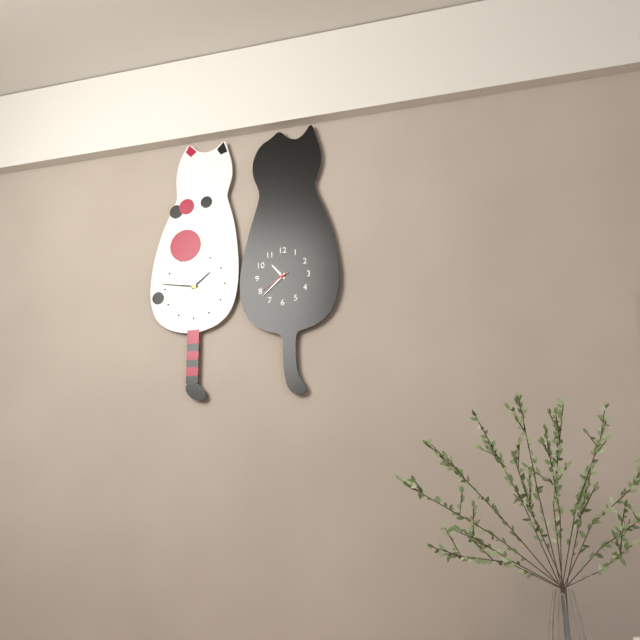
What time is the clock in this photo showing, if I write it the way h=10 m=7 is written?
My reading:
h=10 m=38
